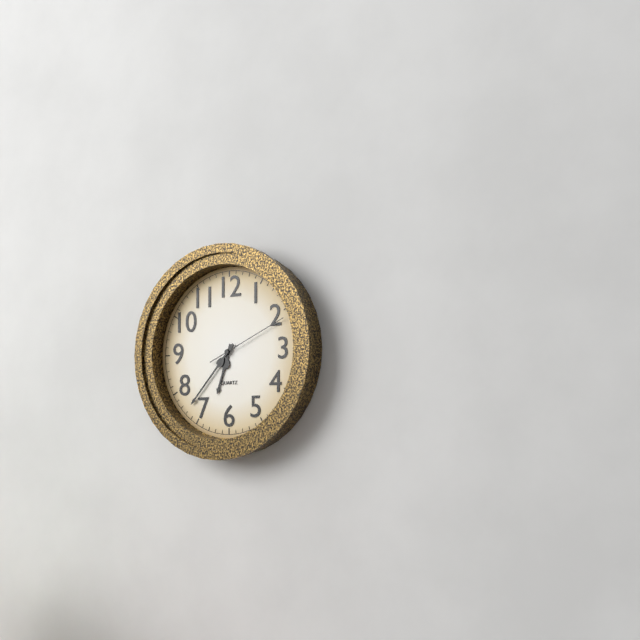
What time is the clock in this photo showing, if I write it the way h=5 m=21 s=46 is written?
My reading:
h=6 m=37 s=11
